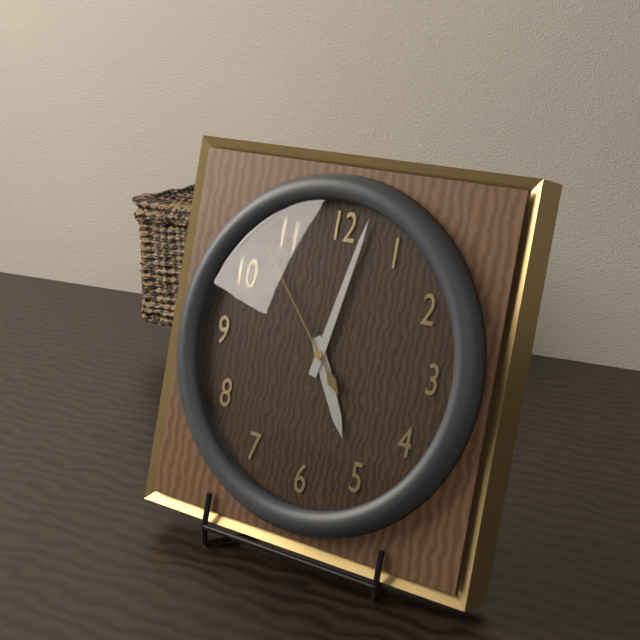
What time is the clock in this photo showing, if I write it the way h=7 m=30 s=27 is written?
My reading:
h=5 m=2 s=53
